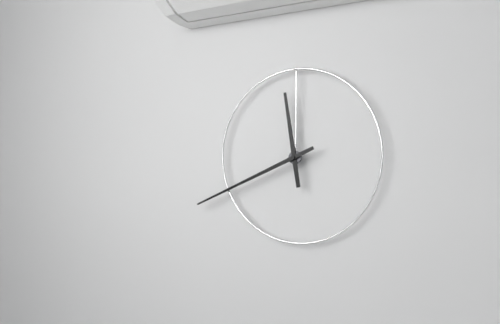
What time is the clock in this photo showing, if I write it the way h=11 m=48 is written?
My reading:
h=11 m=41
